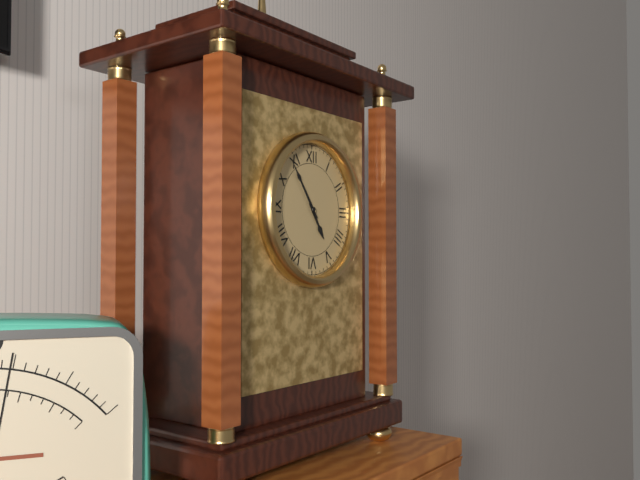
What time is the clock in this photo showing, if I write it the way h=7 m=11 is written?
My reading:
h=4 m=54
